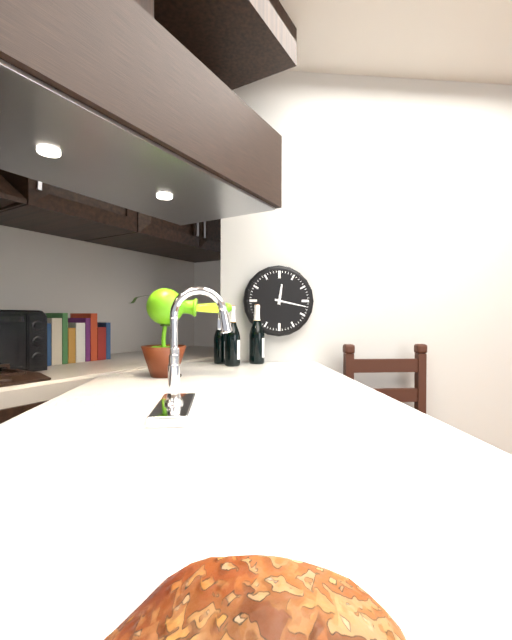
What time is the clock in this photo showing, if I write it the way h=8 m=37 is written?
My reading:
h=12 m=17
